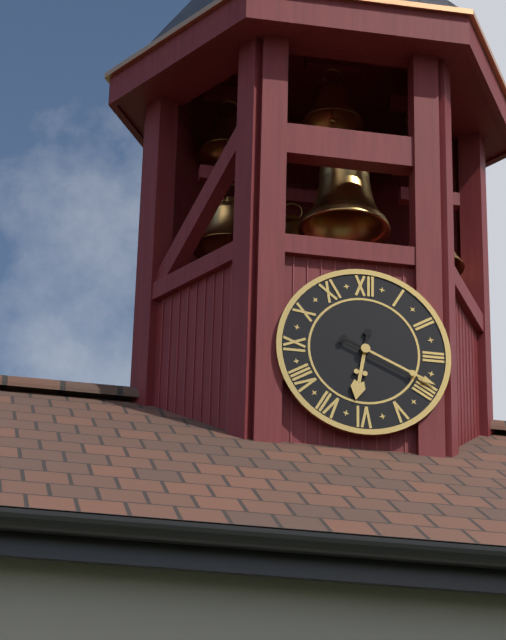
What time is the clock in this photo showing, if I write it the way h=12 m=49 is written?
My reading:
h=6 m=19
